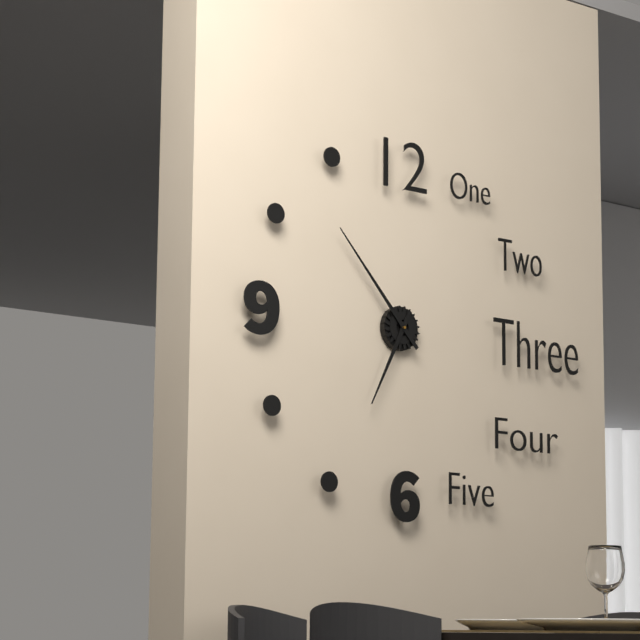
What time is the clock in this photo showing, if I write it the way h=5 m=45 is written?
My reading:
h=6 m=53
